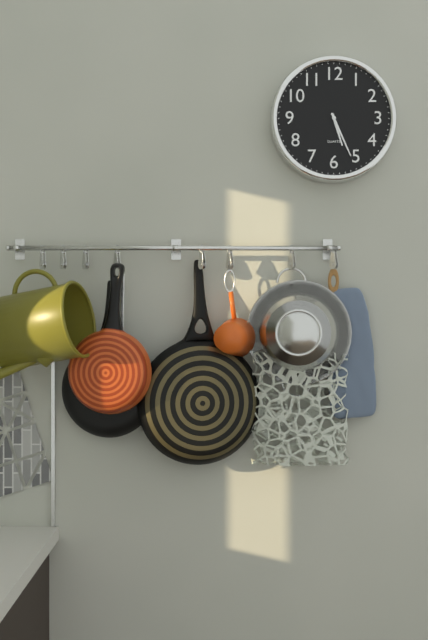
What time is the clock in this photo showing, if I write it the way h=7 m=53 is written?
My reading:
h=5 m=26
